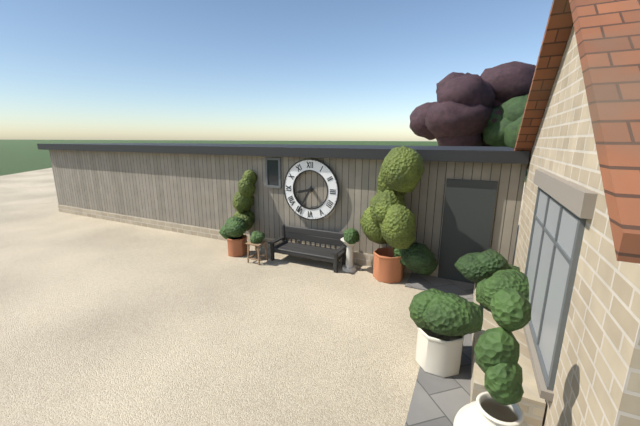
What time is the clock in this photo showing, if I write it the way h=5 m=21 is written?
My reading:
h=8 m=35
